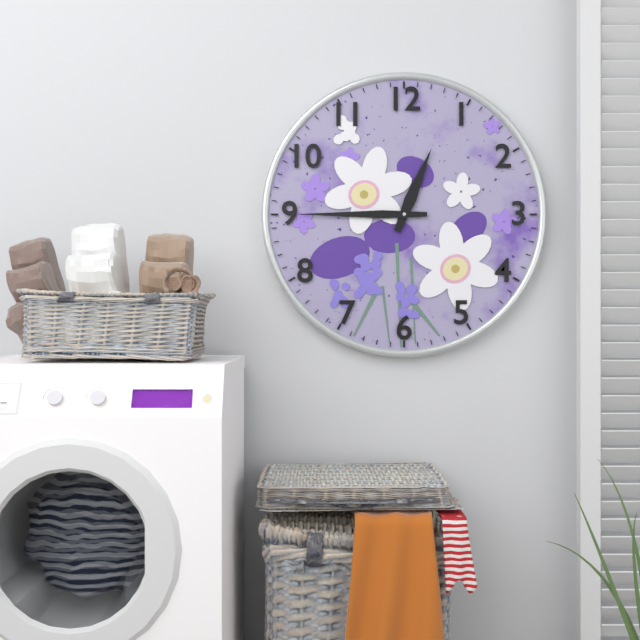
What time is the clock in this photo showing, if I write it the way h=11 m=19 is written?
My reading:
h=12 m=45
